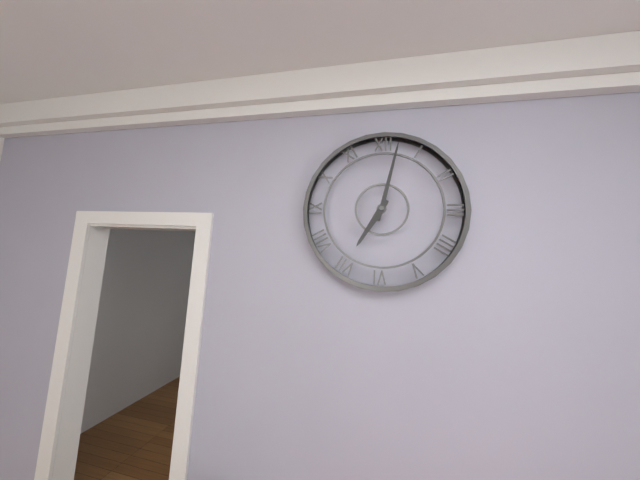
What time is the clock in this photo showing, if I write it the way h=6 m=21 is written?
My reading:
h=7 m=2
